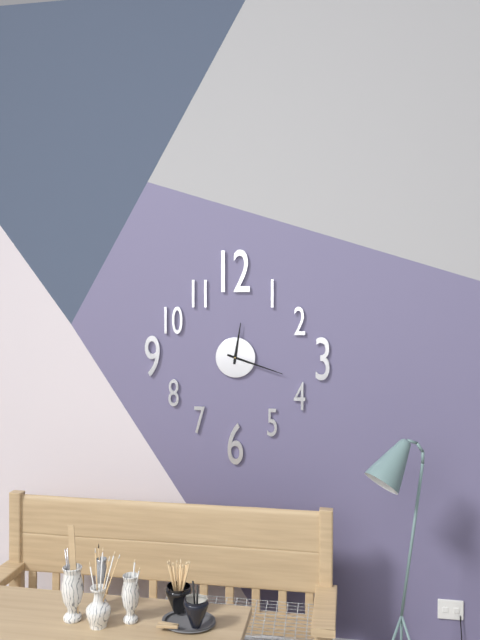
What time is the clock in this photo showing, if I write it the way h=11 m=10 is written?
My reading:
h=12 m=18
